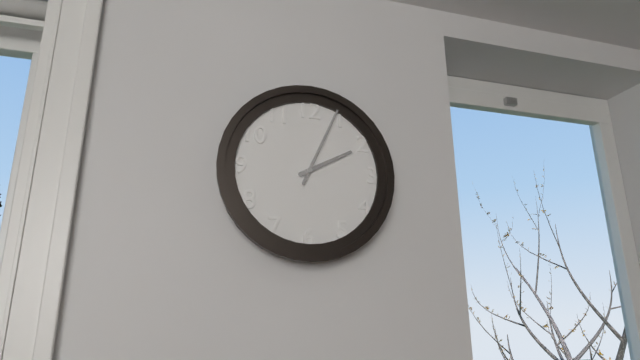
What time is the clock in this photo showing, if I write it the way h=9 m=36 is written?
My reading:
h=2 m=4
